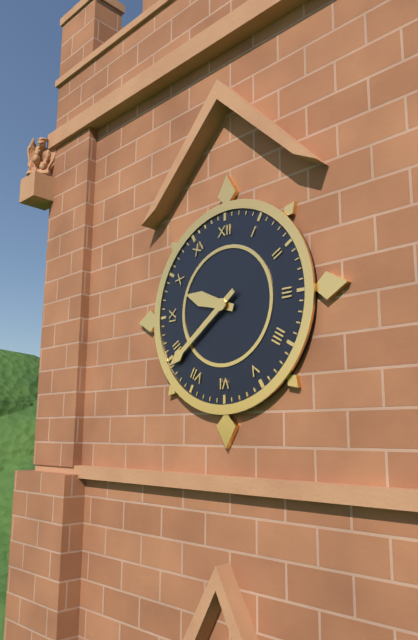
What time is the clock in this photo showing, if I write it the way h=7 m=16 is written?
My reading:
h=9 m=39
